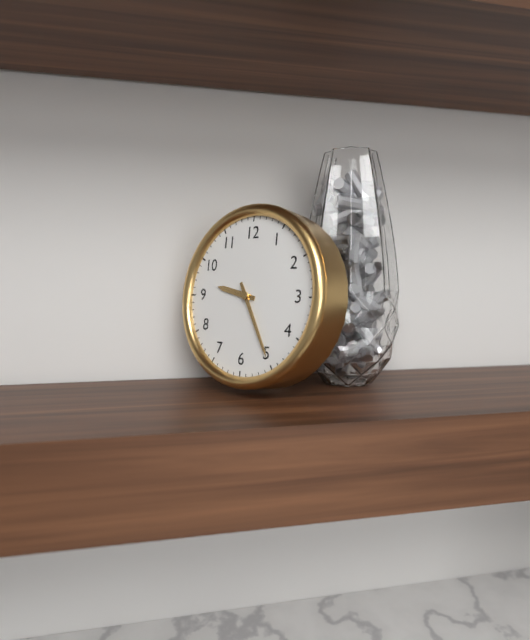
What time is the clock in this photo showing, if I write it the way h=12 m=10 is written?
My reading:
h=9 m=25
